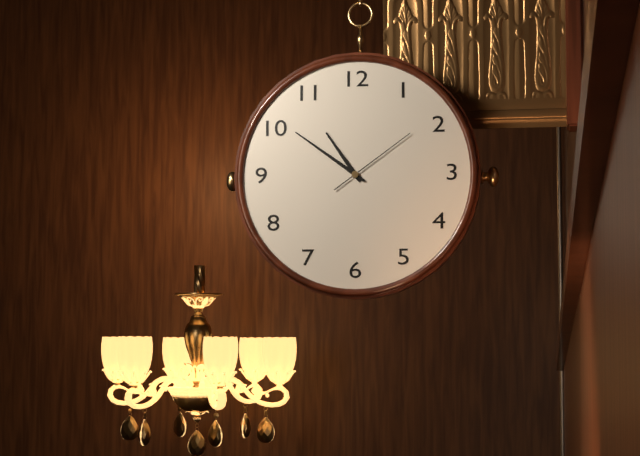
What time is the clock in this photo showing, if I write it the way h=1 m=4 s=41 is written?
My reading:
h=10 m=51 s=9
